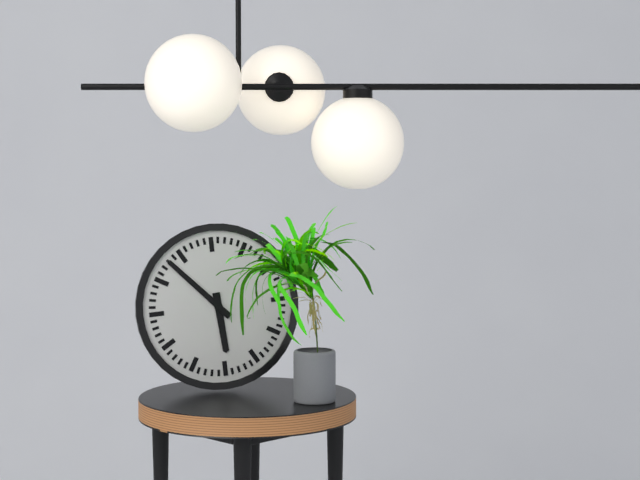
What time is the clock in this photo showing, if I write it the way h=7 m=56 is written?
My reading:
h=5 m=53
